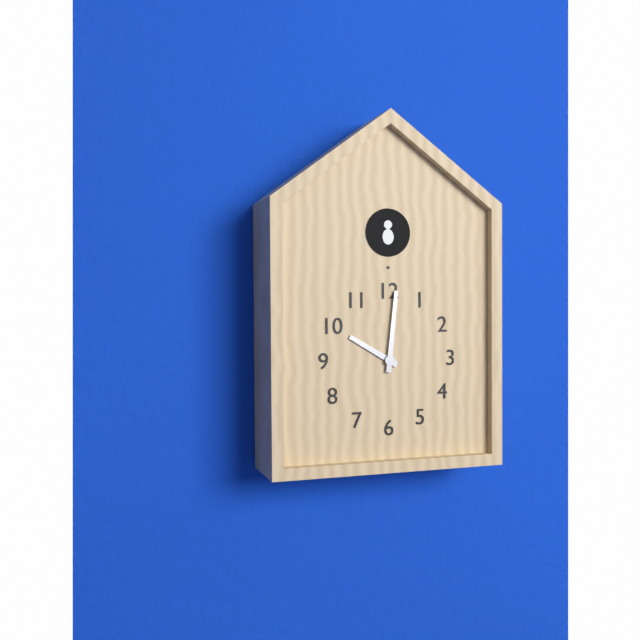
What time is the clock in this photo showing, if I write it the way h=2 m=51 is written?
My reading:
h=10 m=1
